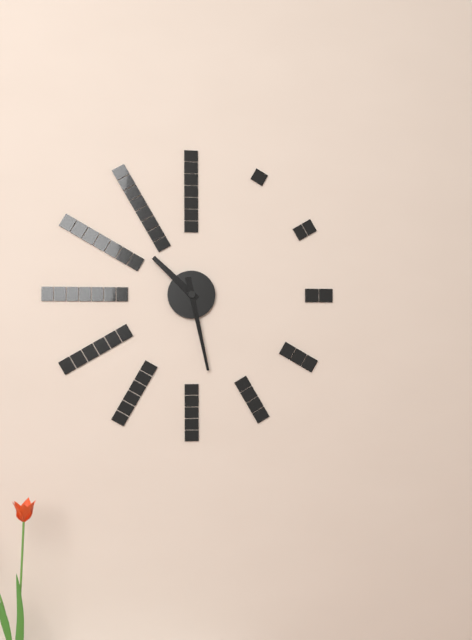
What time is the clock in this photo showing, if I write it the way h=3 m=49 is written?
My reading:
h=10 m=28
